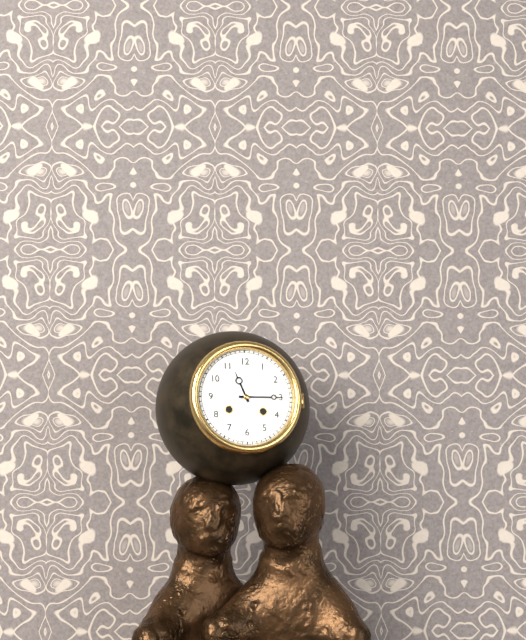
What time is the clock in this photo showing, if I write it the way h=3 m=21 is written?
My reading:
h=11 m=15
